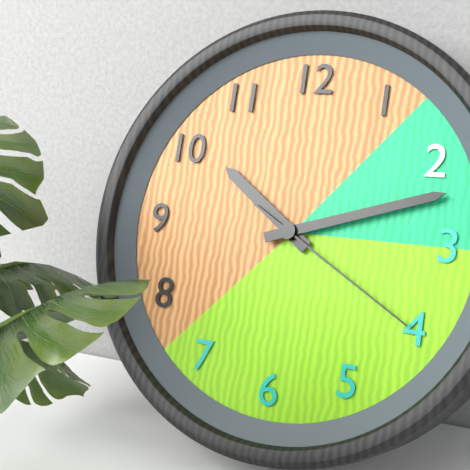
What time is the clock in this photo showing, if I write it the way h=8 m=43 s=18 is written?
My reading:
h=10 m=12 s=20
